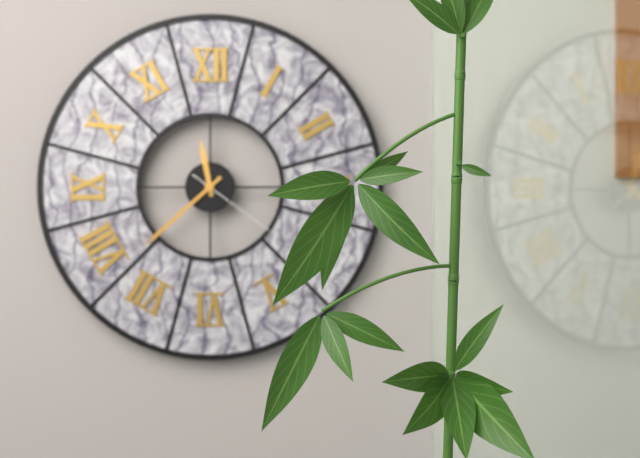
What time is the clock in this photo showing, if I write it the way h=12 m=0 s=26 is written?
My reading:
h=11 m=38 s=21
